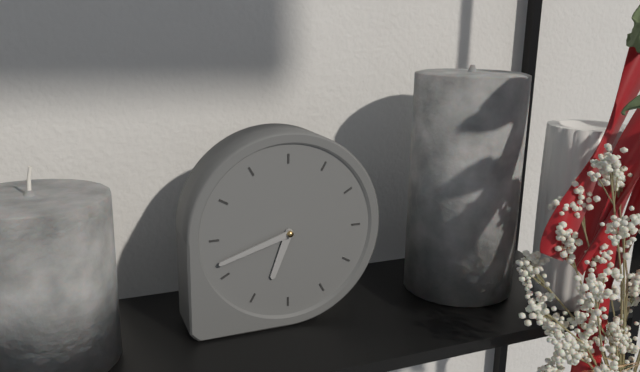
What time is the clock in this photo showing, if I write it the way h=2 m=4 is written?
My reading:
h=6 m=42
